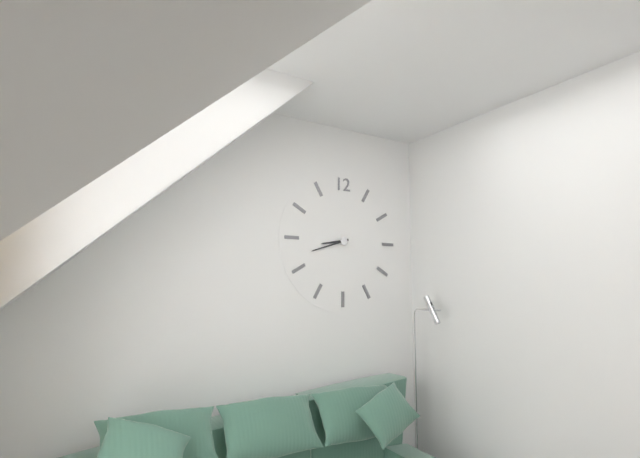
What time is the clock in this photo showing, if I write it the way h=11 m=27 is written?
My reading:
h=8 m=42
